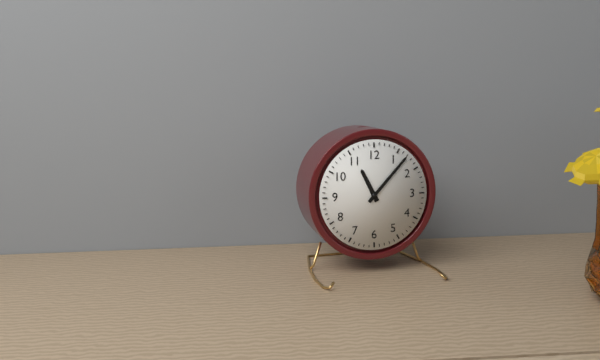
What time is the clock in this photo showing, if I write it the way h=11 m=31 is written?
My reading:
h=11 m=7
